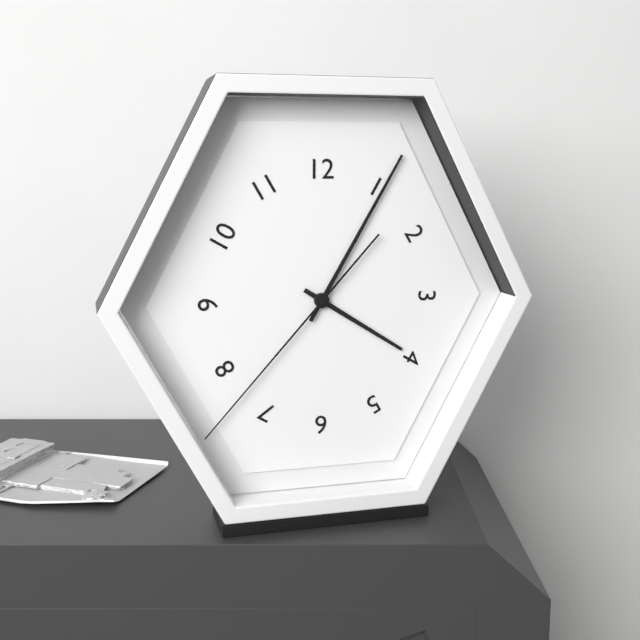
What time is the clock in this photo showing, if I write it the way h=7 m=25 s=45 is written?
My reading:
h=4 m=5 s=37
